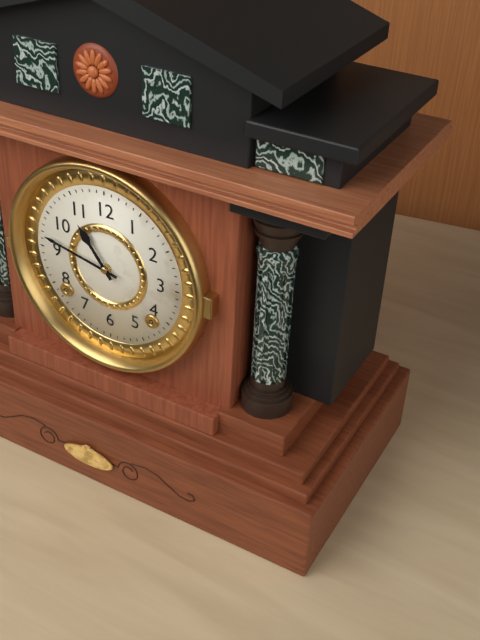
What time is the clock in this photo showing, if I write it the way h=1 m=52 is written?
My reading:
h=10 m=47
